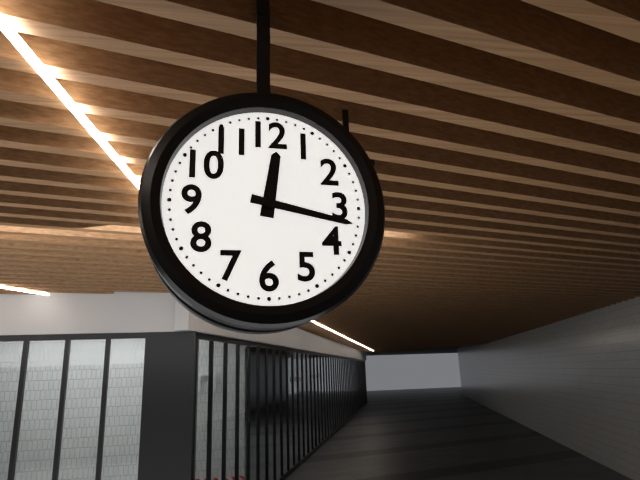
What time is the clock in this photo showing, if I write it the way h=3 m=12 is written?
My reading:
h=12 m=17
